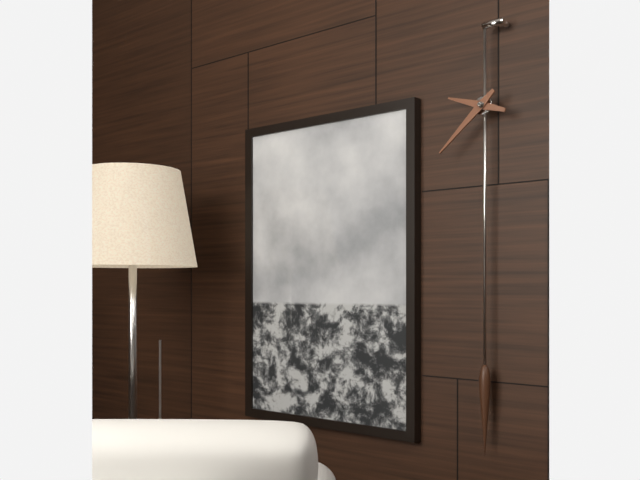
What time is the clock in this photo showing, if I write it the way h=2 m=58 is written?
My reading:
h=9 m=38
